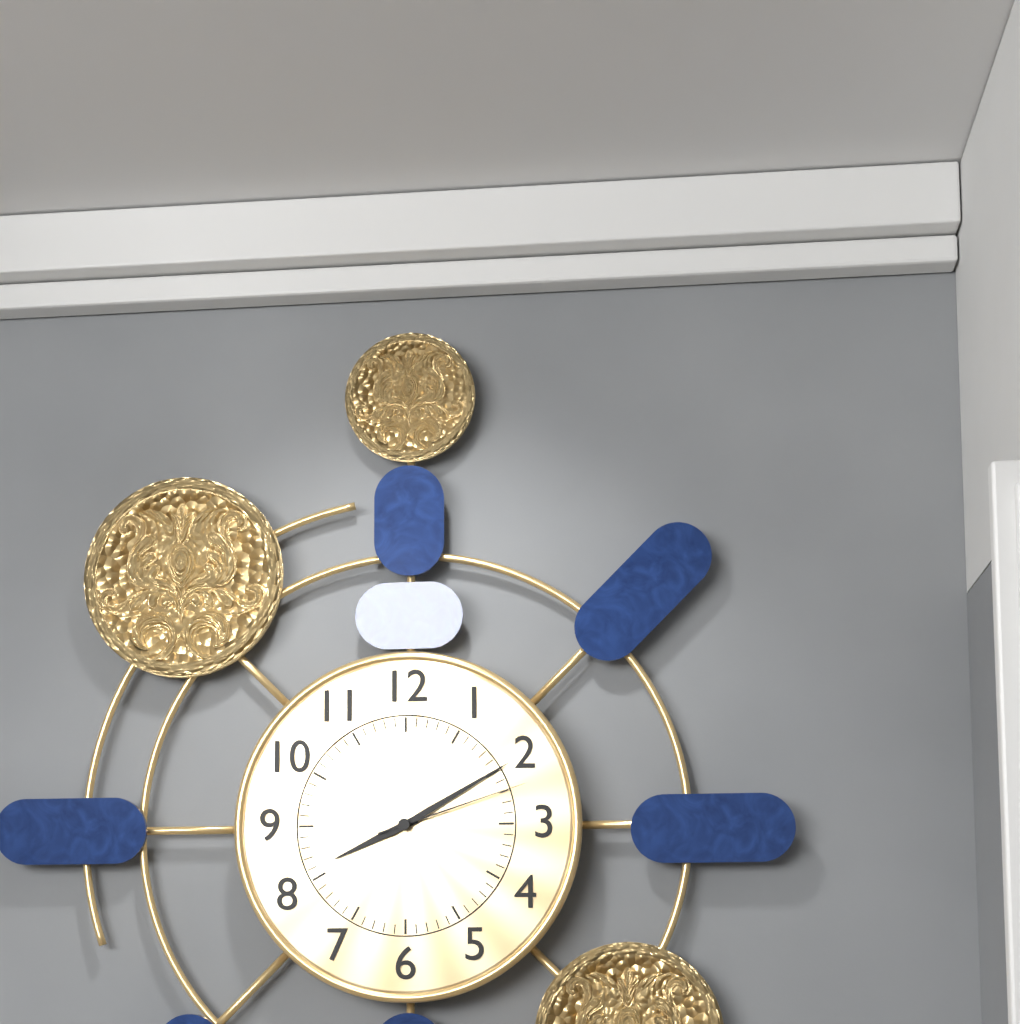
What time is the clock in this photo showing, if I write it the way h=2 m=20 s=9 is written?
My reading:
h=8 m=10 s=12
